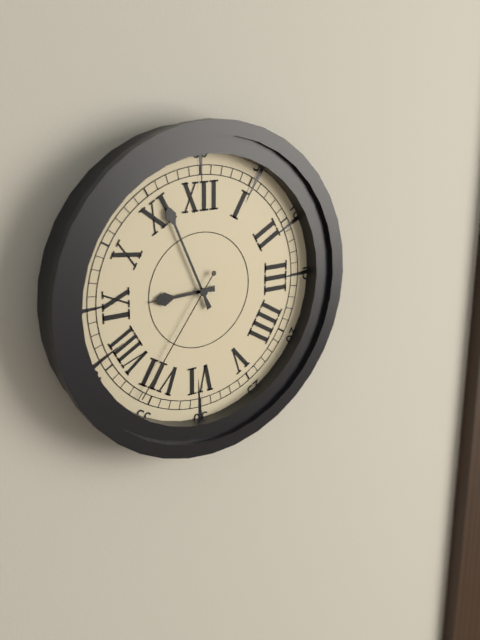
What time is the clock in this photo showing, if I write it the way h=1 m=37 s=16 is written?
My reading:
h=8 m=56 s=36
